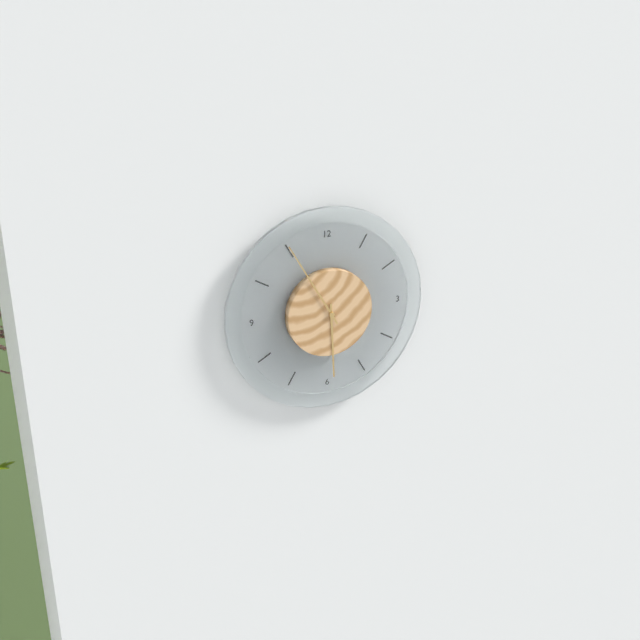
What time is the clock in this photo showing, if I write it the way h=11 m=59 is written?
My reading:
h=5 m=55
